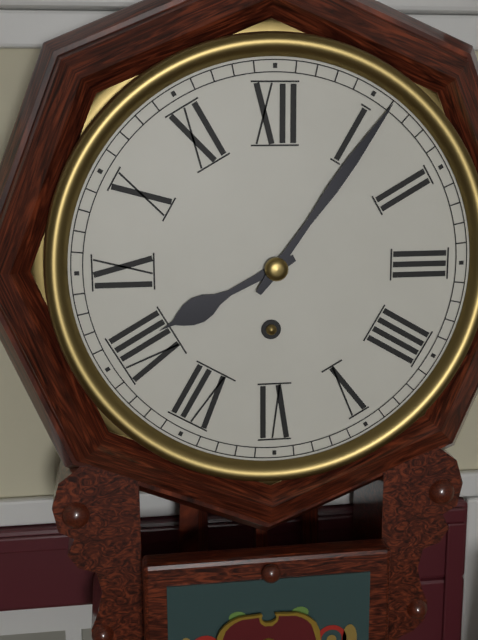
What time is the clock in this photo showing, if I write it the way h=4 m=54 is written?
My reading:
h=8 m=6
